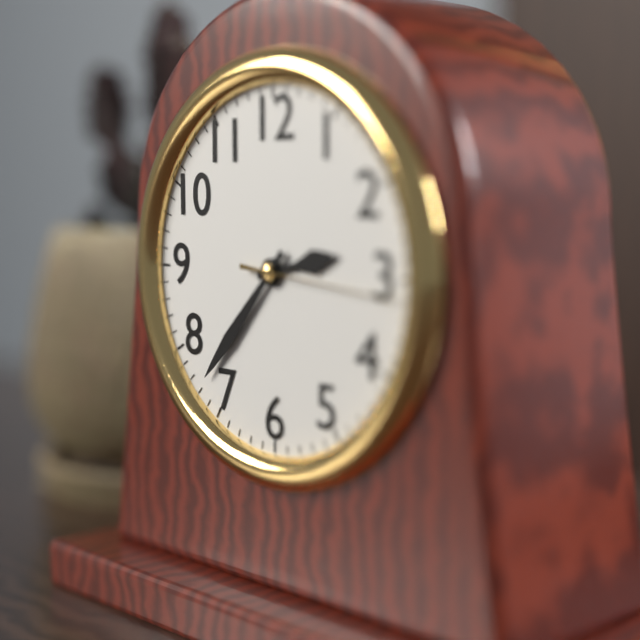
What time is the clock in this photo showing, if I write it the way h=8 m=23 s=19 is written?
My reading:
h=2 m=37 s=16
